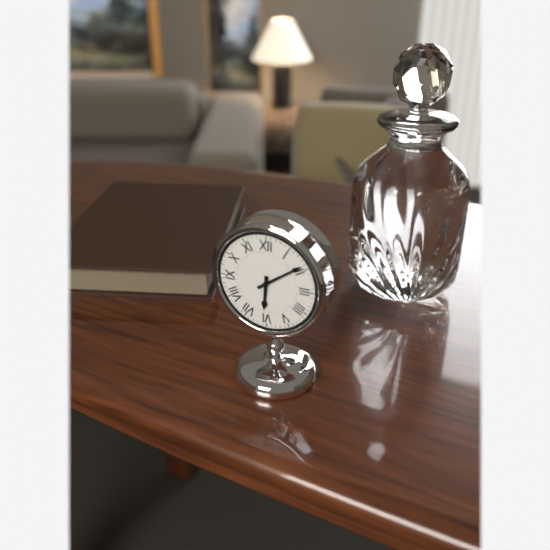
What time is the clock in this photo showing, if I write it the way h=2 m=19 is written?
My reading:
h=6 m=9
